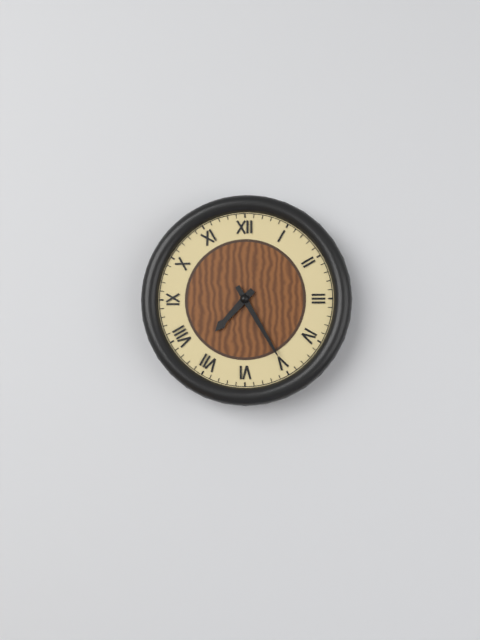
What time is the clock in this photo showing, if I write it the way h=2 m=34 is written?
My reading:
h=7 m=25
